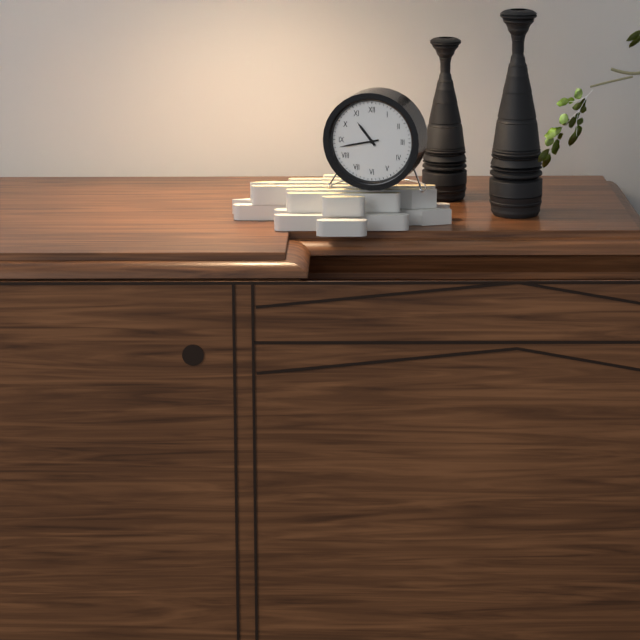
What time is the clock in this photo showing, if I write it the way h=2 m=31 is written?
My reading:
h=10 m=43
